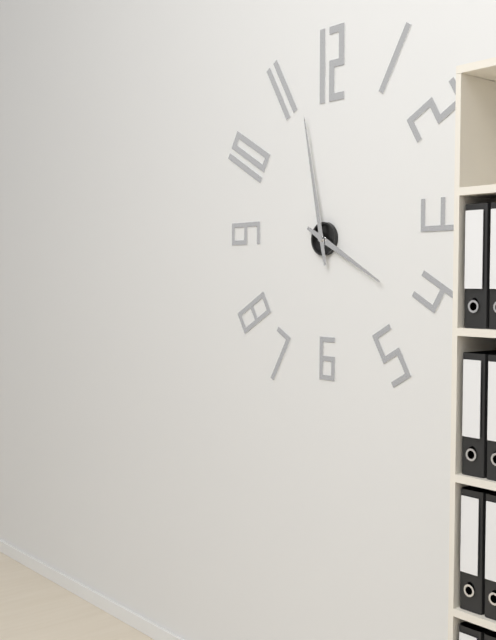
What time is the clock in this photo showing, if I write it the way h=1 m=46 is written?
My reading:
h=3 m=58
